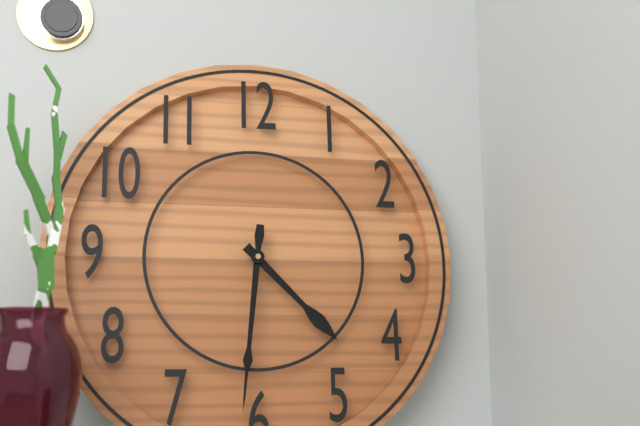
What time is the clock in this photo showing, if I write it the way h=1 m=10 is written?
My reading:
h=4 m=31
